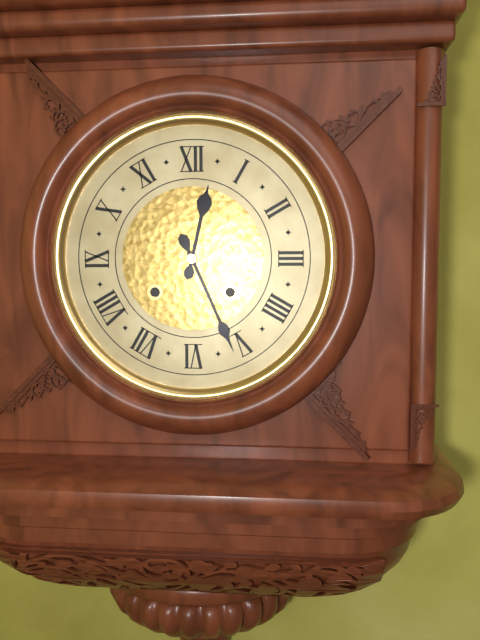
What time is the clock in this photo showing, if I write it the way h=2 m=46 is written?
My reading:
h=12 m=26
